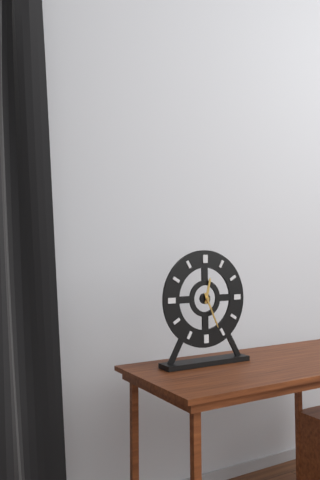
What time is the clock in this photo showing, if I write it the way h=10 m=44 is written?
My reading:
h=12 m=26
